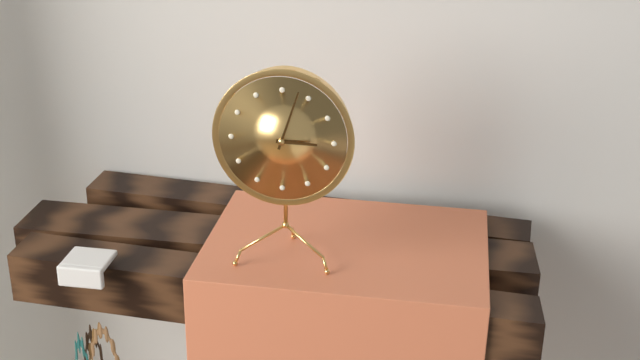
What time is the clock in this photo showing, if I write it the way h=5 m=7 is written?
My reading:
h=3 m=3
